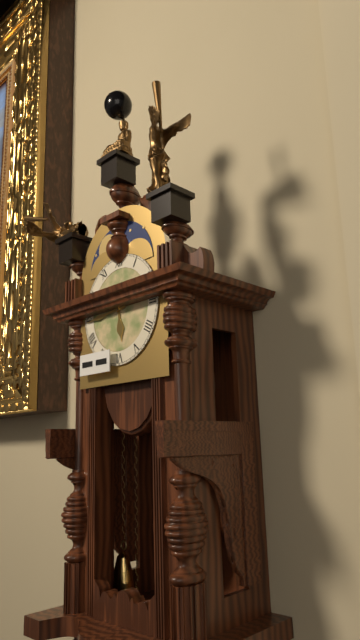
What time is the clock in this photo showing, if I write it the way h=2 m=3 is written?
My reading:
h=5 m=44
